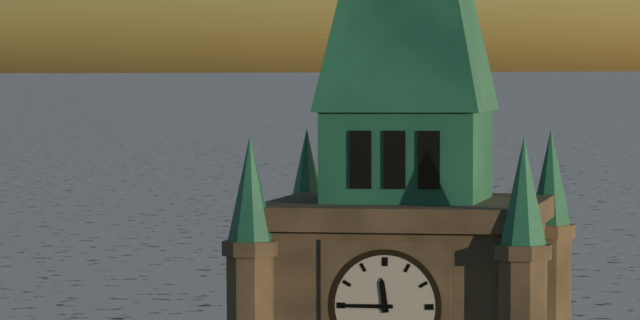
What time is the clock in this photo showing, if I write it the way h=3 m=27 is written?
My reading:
h=11 m=45
